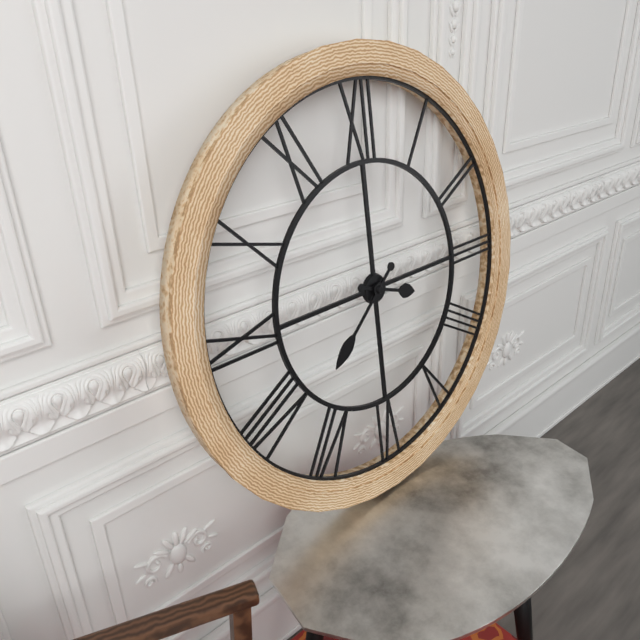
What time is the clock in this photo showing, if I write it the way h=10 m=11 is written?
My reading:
h=3 m=38
